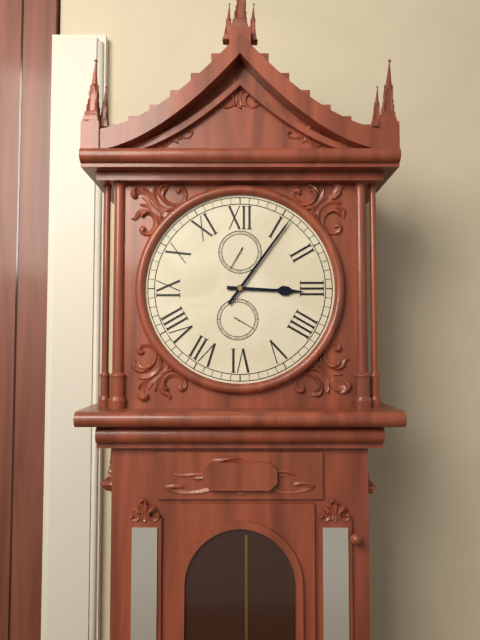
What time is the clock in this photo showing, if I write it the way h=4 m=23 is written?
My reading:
h=3 m=6
